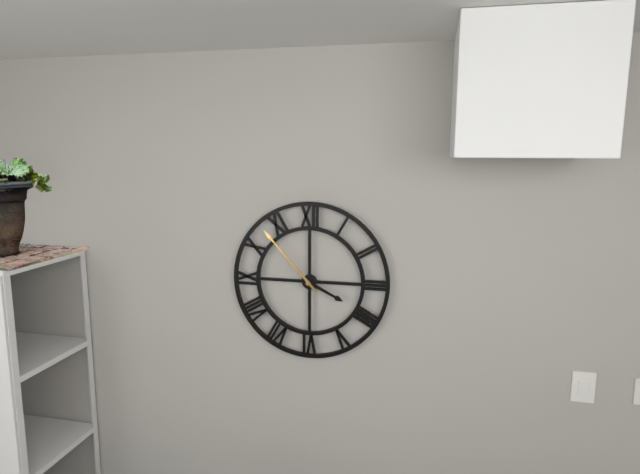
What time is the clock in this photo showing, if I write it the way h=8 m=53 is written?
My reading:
h=3 m=53
